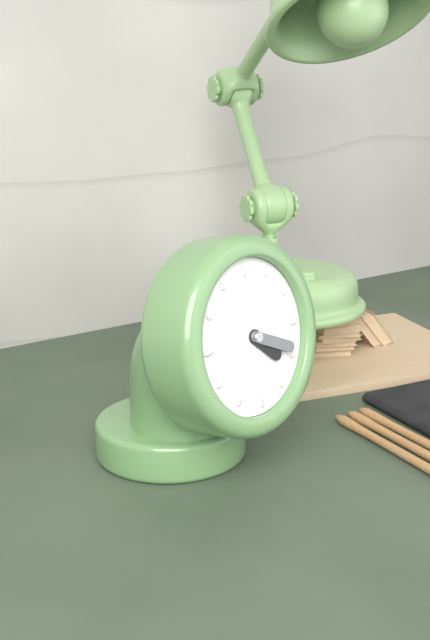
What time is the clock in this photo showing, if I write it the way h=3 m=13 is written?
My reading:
h=4 m=19
